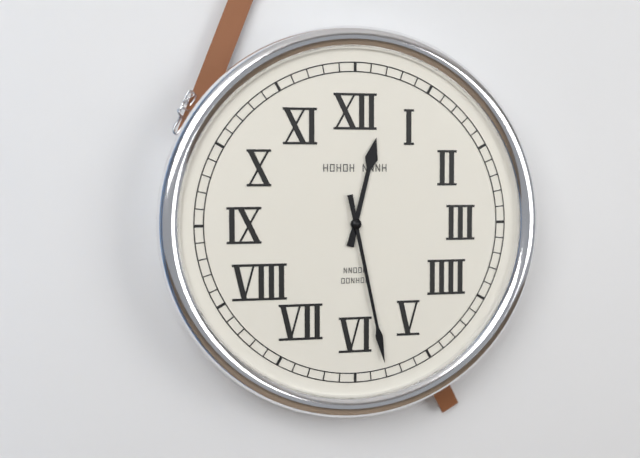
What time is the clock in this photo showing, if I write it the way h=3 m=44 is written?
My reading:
h=12 m=28
